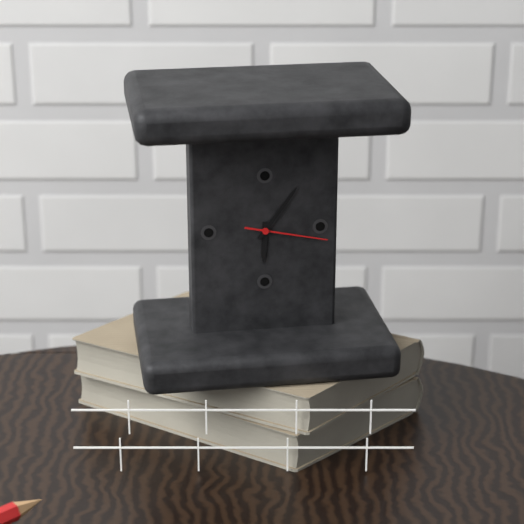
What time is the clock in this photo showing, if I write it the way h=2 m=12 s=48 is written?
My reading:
h=6 m=6 s=17
